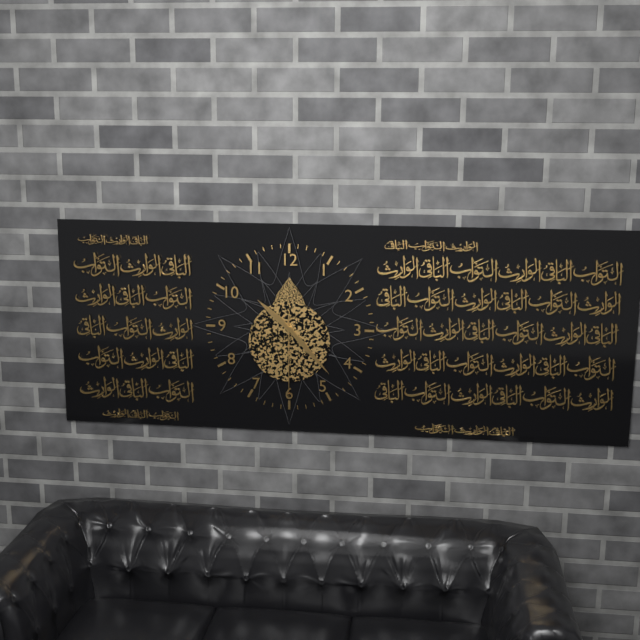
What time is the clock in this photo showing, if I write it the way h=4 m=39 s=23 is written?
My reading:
h=10 m=23 s=30
